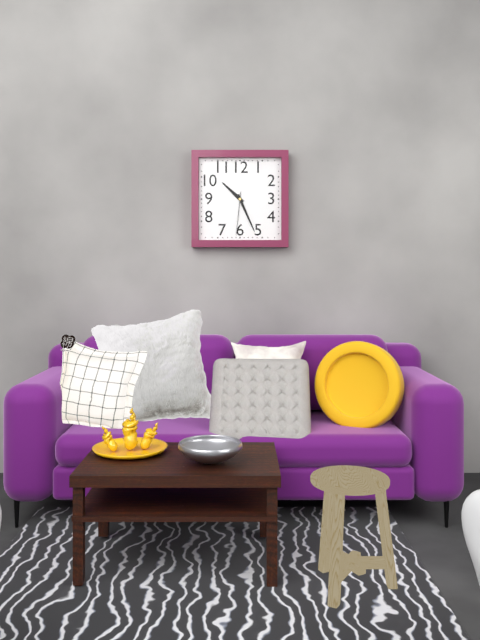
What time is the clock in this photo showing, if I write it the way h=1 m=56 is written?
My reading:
h=10 m=26
